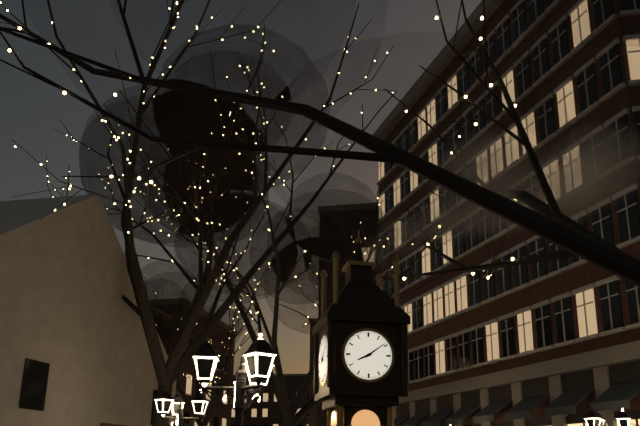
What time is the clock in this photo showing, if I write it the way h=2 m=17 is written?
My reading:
h=8 m=9
